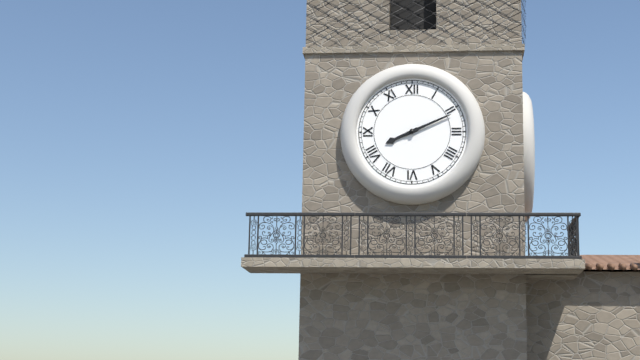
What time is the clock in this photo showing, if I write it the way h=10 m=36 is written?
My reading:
h=8 m=11
